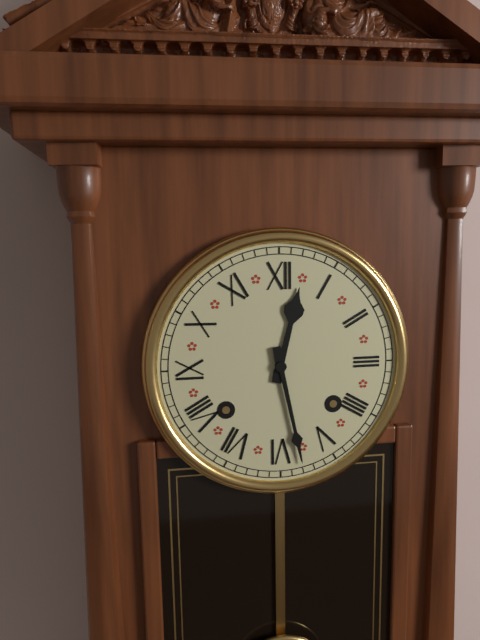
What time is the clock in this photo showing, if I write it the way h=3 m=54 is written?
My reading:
h=12 m=28
